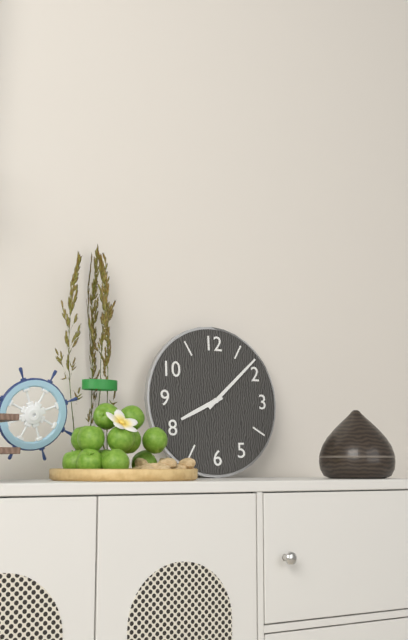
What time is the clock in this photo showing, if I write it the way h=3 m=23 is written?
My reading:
h=8 m=8
